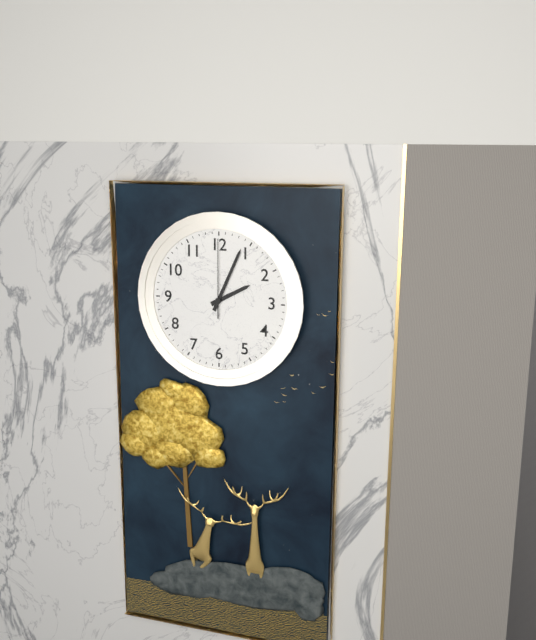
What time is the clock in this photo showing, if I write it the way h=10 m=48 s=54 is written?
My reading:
h=2 m=4 s=0
